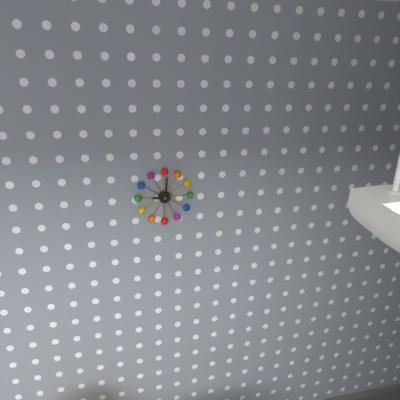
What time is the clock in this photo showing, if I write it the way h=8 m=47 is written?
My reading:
h=9 m=1
